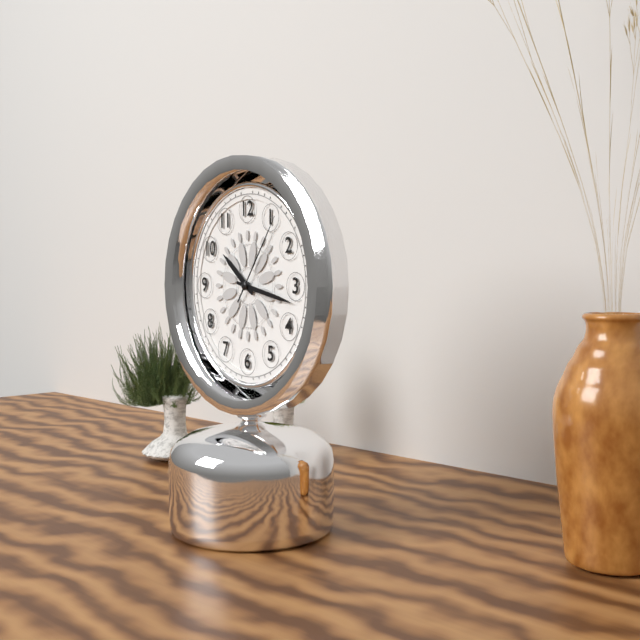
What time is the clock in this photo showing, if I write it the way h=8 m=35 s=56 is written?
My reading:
h=10 m=17 s=6
